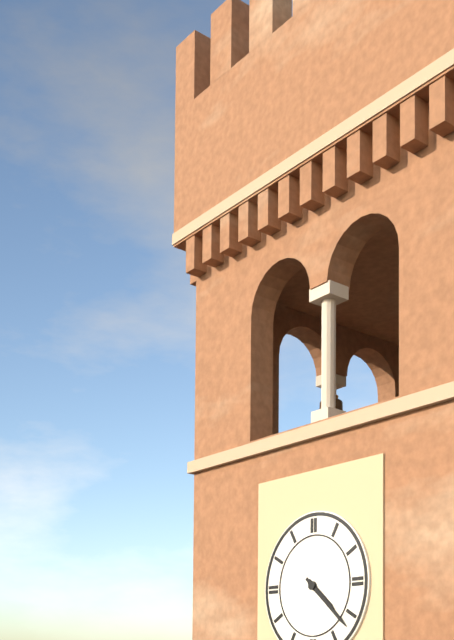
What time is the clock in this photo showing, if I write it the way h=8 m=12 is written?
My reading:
h=4 m=22
